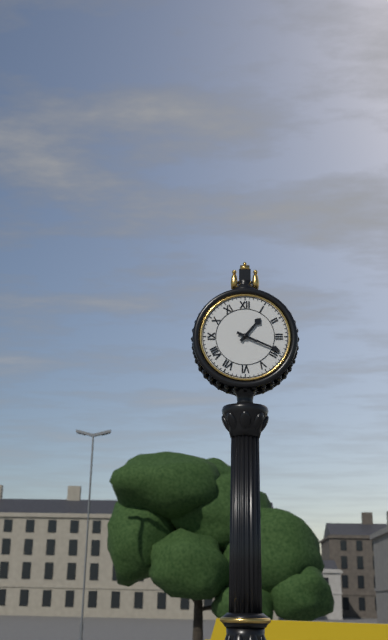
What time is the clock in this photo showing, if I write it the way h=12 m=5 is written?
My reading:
h=1 m=19
